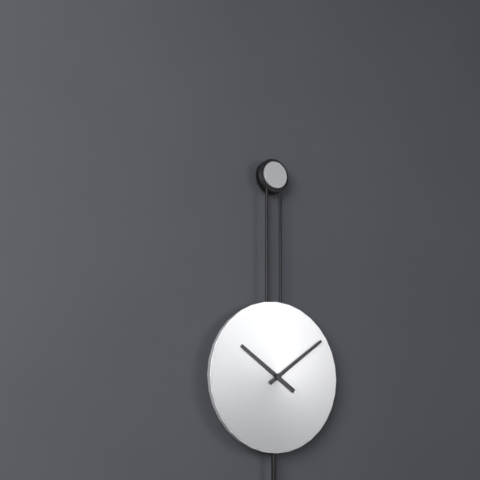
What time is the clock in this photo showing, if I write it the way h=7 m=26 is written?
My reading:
h=10 m=9
